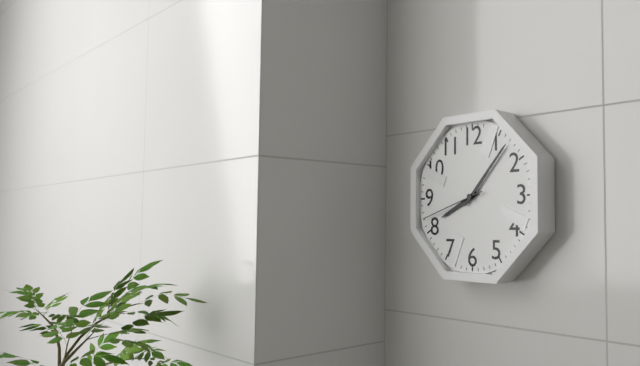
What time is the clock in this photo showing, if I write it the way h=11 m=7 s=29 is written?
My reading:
h=8 m=7 s=42
